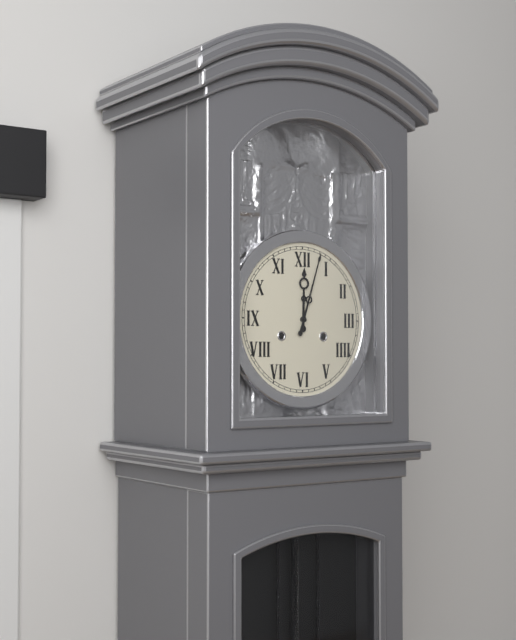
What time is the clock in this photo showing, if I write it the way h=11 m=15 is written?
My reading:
h=12 m=3
